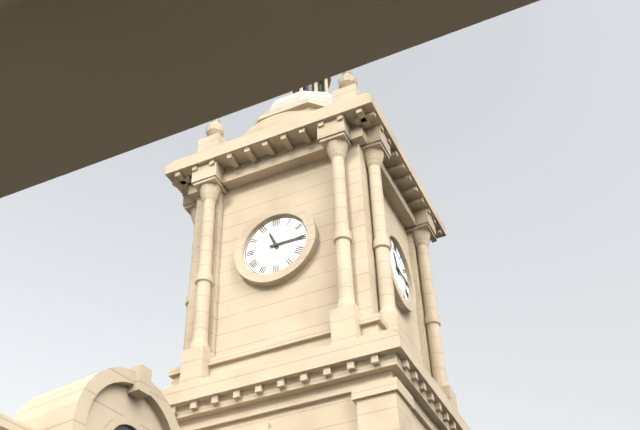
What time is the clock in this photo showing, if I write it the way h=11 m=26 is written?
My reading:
h=11 m=15
